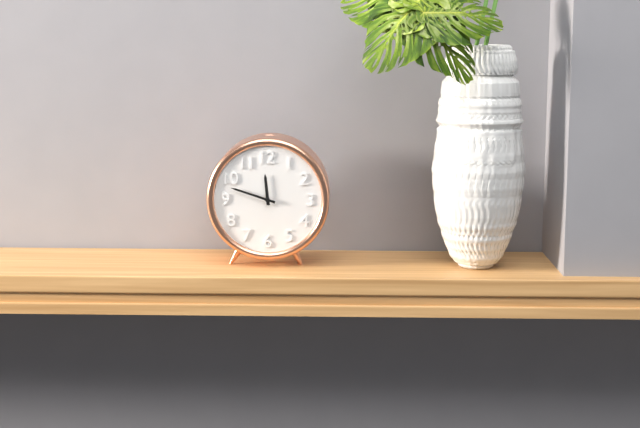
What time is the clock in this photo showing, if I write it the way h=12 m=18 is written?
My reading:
h=11 m=48
